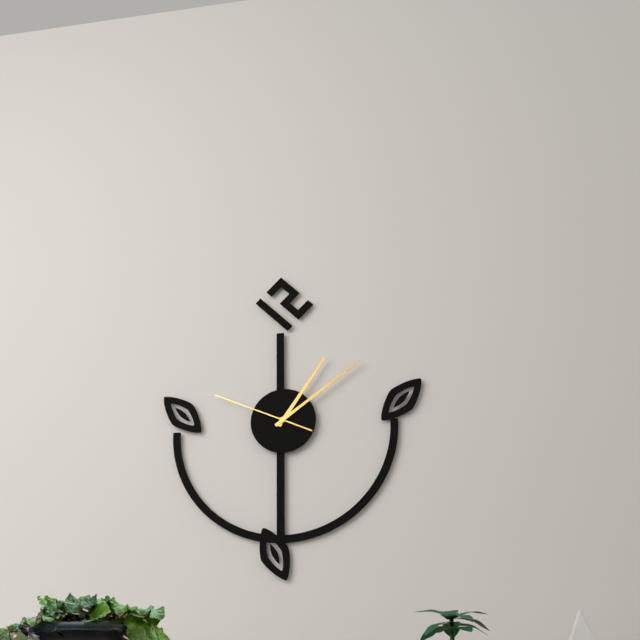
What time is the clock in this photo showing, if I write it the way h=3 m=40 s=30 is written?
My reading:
h=1 m=9 s=49
